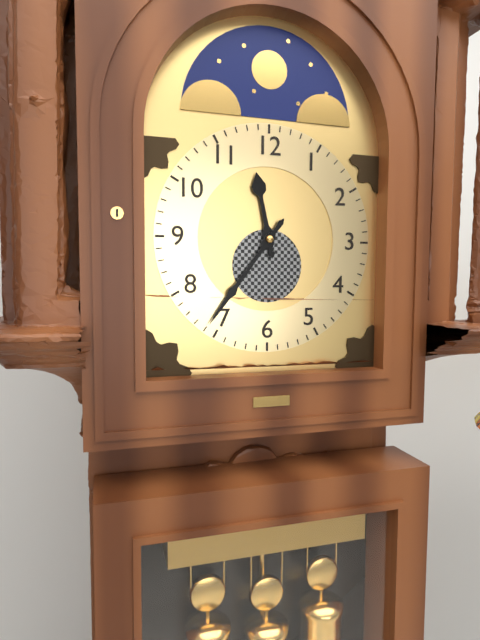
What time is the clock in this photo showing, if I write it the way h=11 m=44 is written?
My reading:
h=11 m=36
